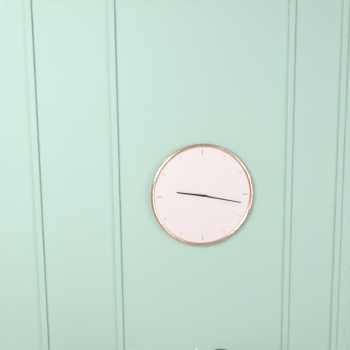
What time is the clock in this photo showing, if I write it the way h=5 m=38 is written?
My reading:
h=9 m=17
